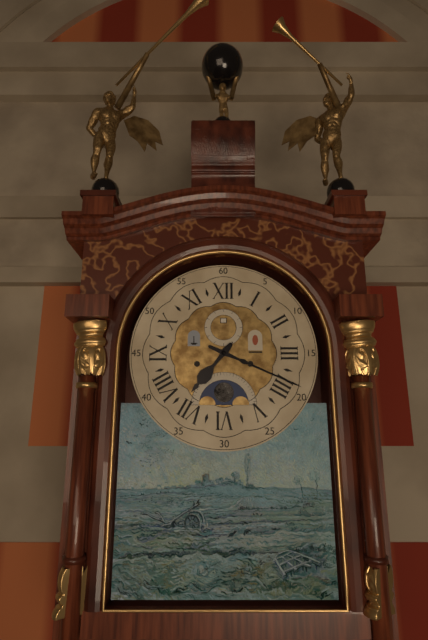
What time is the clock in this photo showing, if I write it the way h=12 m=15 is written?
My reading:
h=7 m=19
